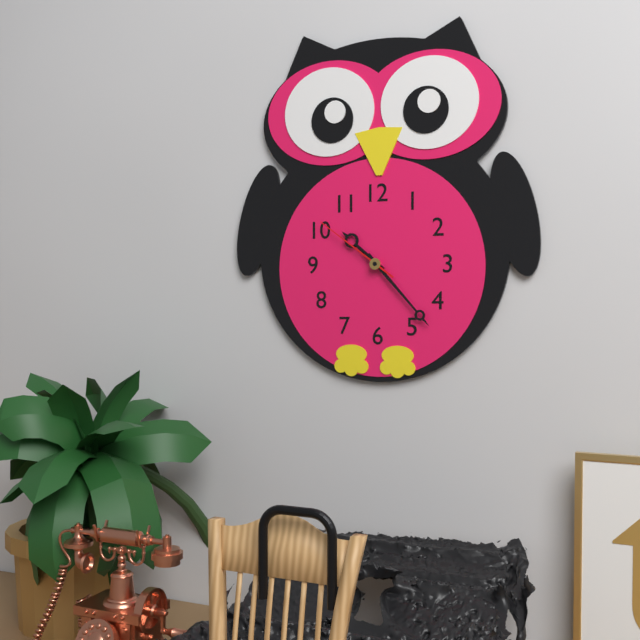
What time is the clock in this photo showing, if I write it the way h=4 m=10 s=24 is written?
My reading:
h=10 m=23 s=51
